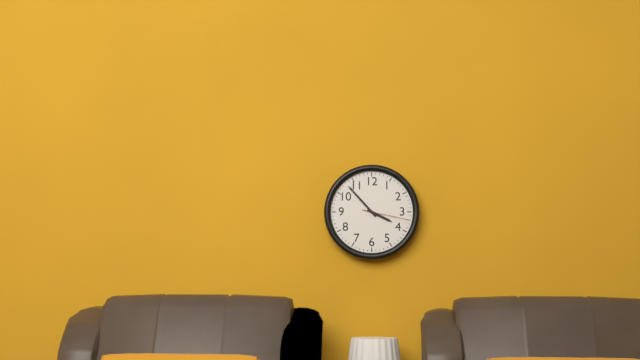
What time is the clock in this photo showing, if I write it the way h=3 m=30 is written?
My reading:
h=3 m=53
